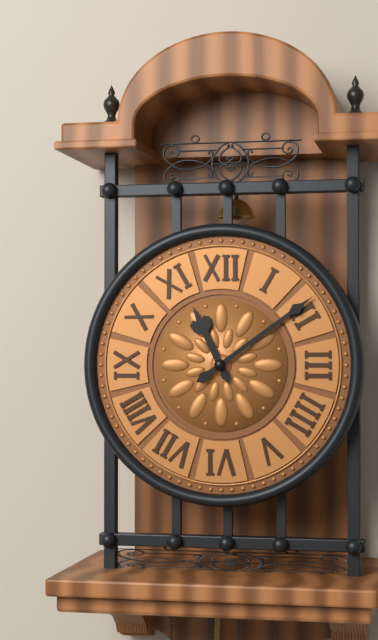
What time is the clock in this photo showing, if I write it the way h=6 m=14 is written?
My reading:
h=11 m=9
